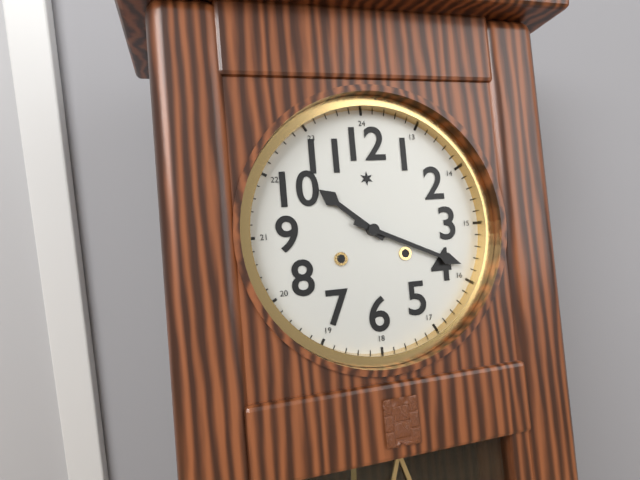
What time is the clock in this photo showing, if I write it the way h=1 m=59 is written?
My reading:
h=10 m=19
